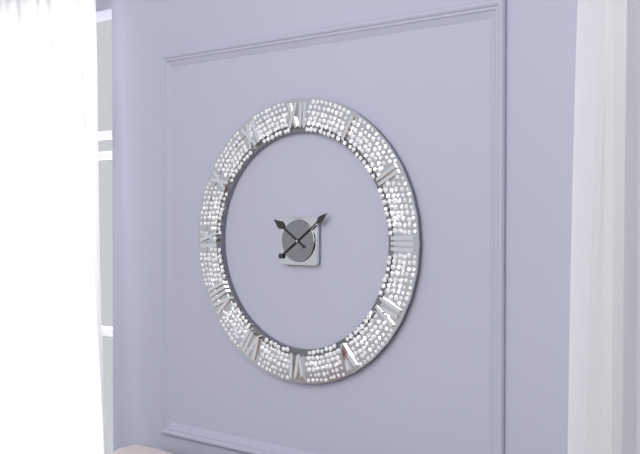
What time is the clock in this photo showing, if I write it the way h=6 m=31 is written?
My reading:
h=10 m=9
